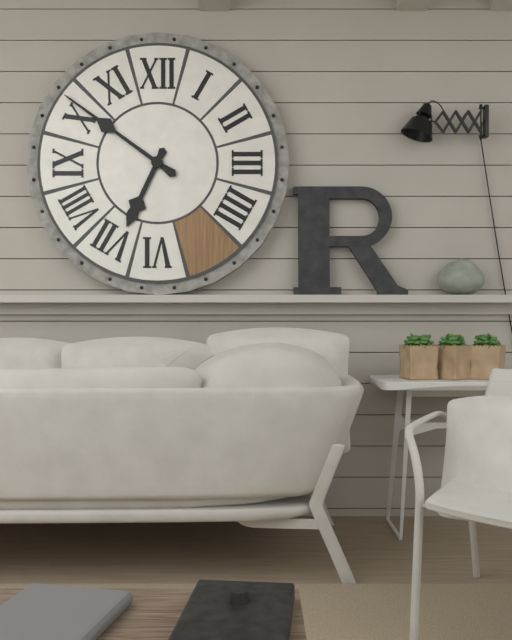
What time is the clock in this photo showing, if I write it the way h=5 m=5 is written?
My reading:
h=6 m=51
